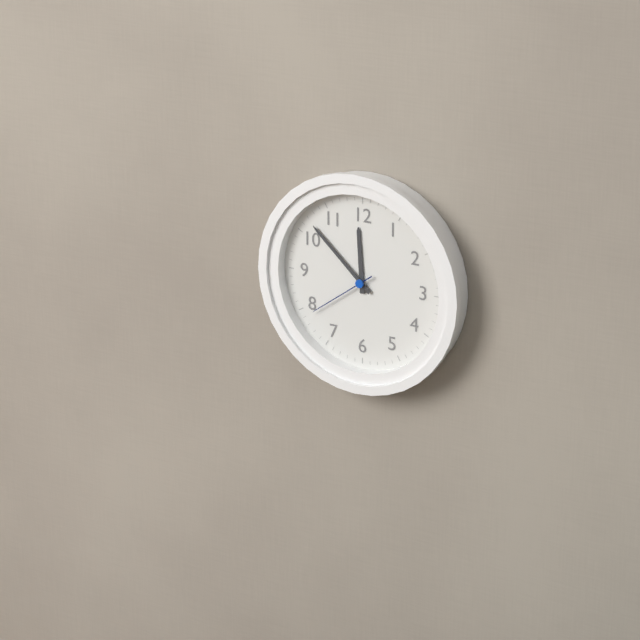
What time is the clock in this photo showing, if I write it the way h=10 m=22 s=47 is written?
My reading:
h=11 m=52 s=39
